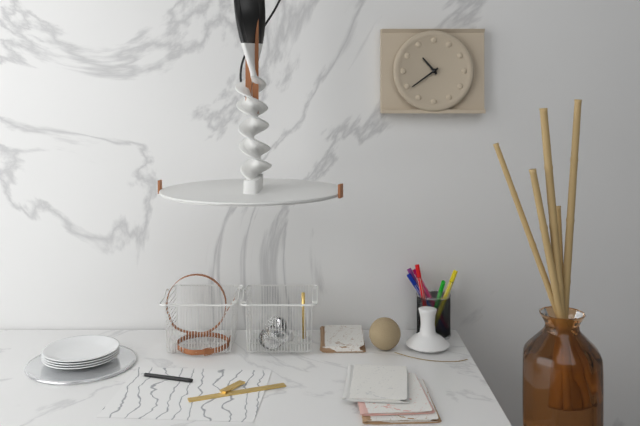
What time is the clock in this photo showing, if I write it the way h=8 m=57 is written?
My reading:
h=10 m=39
